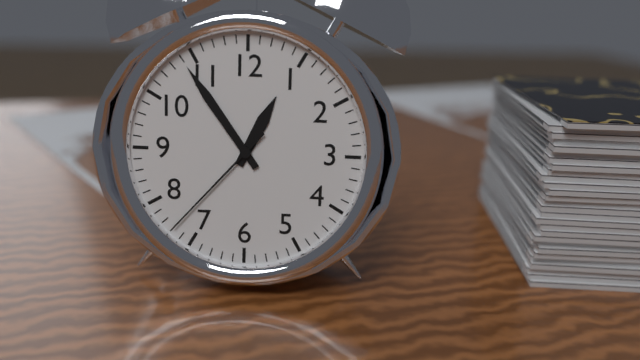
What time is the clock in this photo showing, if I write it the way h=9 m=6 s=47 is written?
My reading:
h=12 m=54 s=37
